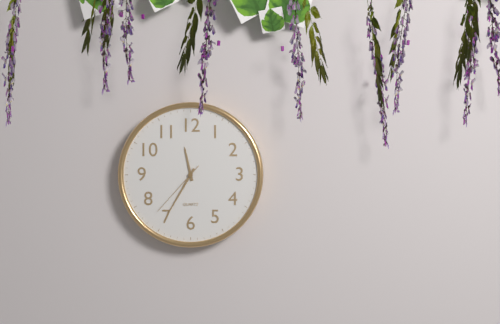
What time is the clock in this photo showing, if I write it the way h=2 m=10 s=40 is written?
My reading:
h=11 m=35 s=37
